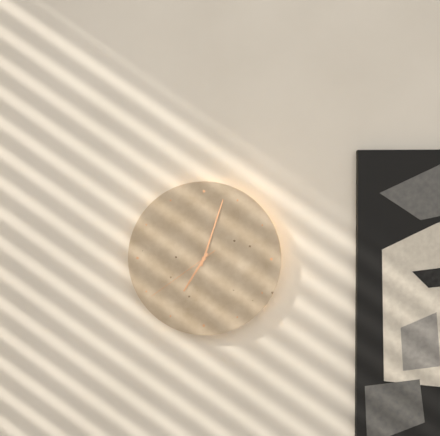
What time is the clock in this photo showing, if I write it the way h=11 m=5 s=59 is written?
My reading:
h=7 m=3 s=39
